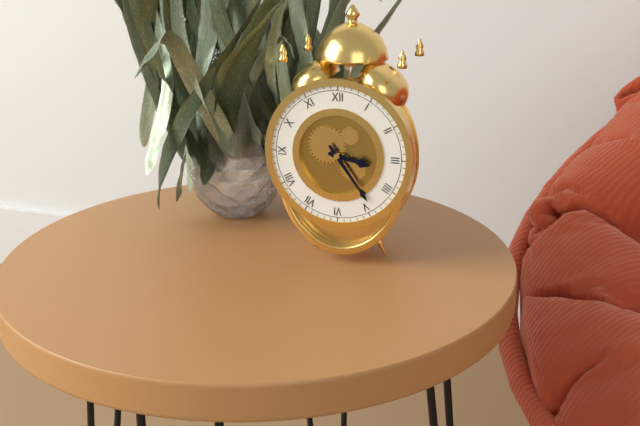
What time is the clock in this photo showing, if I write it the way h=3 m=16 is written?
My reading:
h=3 m=24
